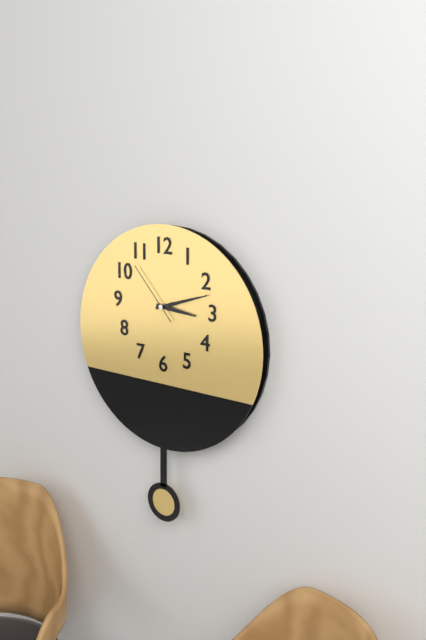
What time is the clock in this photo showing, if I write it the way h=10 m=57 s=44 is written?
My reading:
h=3 m=12 s=53
